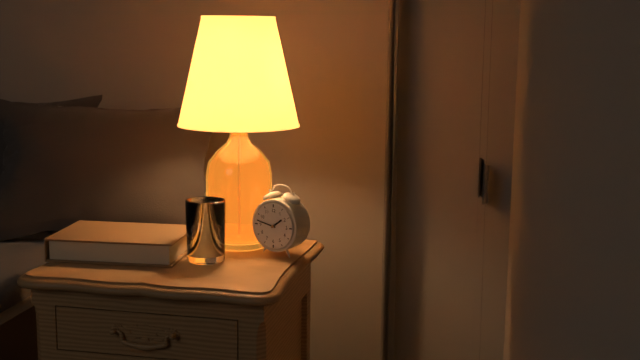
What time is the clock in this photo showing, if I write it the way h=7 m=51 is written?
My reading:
h=1 m=47
